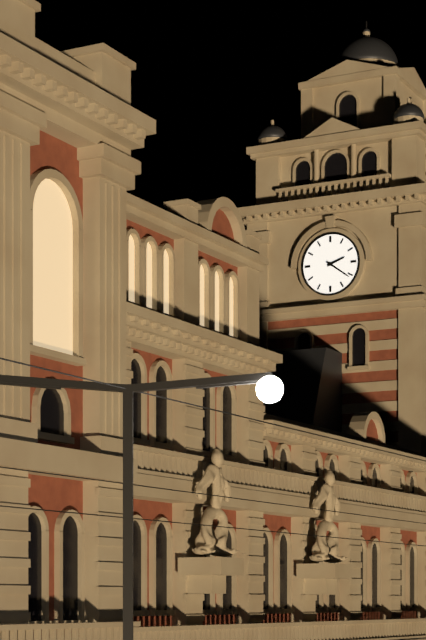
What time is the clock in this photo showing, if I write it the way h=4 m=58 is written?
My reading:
h=2 m=21
